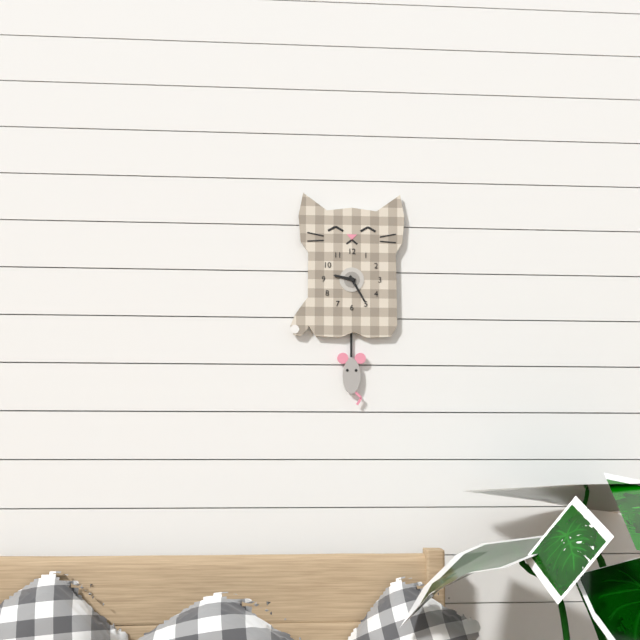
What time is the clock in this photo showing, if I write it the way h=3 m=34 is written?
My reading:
h=9 m=25
